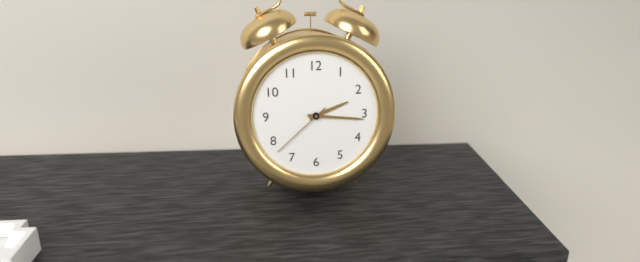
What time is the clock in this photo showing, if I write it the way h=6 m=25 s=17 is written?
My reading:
h=2 m=16 s=38
